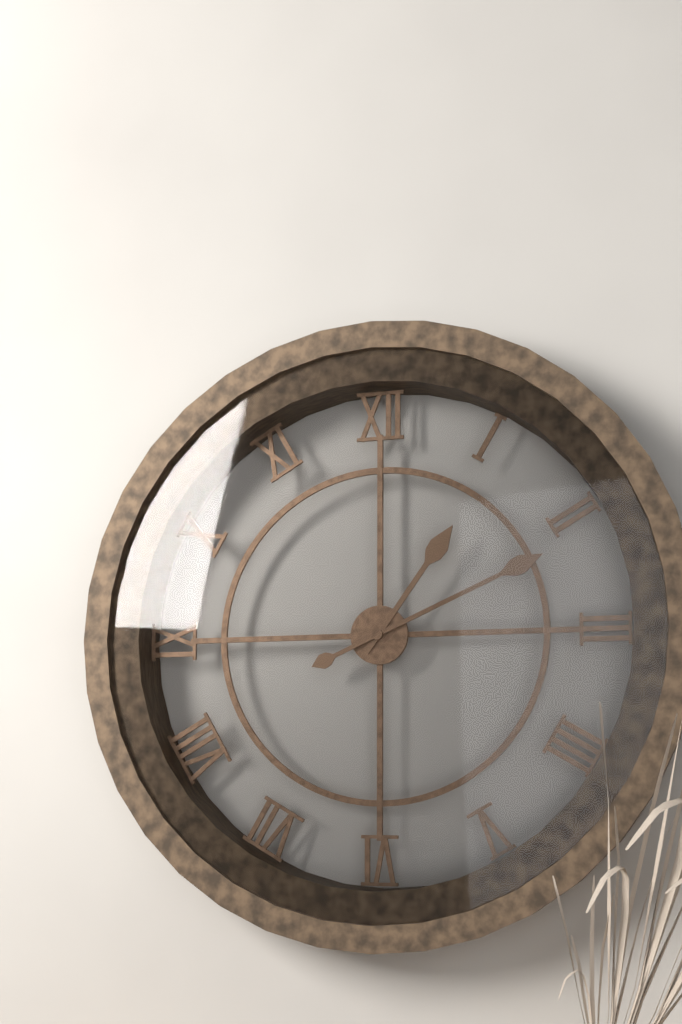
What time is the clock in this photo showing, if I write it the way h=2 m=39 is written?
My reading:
h=1 m=11
